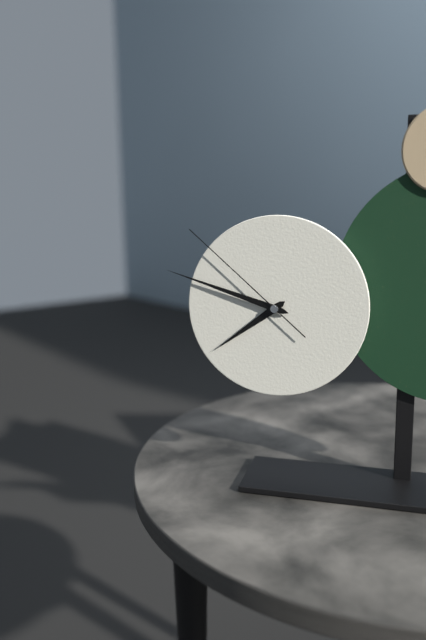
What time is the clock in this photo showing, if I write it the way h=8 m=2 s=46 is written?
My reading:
h=7 m=48 s=52
